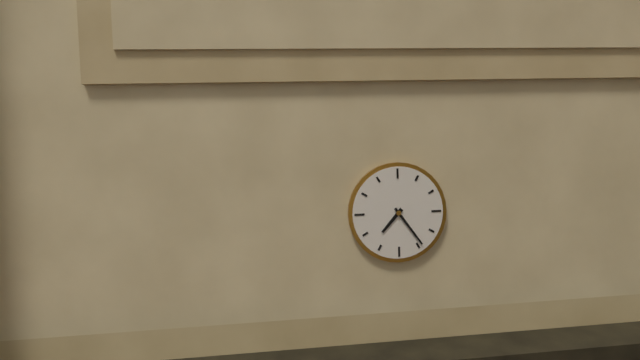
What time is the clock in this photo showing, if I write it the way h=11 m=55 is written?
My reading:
h=7 m=24
